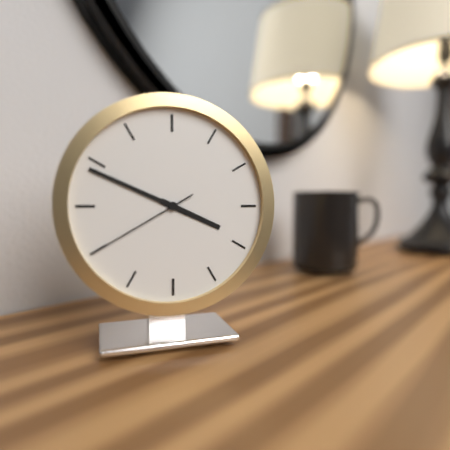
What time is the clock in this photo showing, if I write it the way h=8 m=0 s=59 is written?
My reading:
h=3 m=49 s=40
